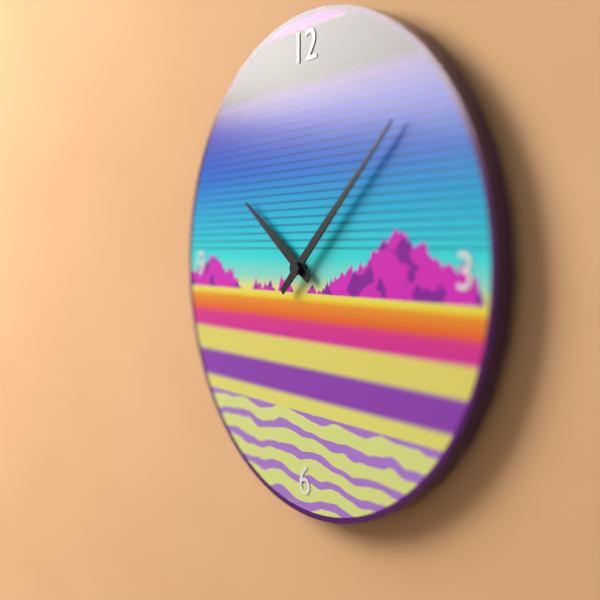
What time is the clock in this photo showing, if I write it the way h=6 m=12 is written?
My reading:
h=10 m=8
